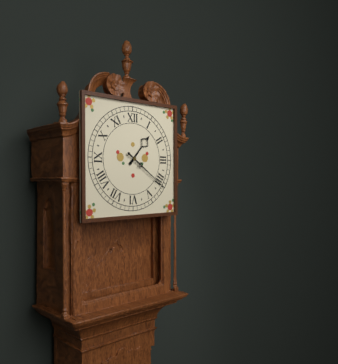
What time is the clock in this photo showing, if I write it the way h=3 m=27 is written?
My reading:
h=1 m=21
